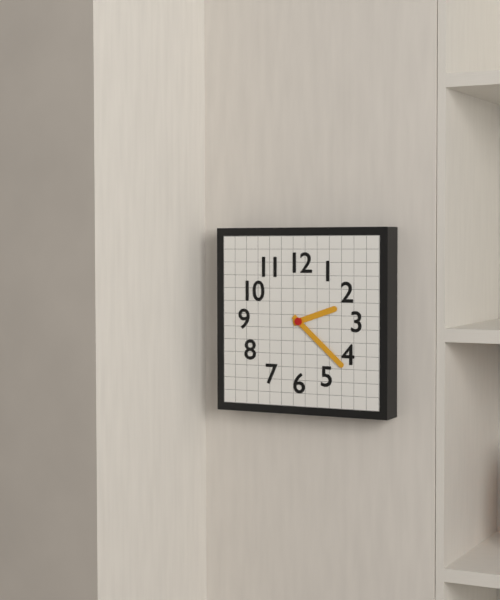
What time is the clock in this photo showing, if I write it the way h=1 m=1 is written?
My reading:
h=2 m=22
